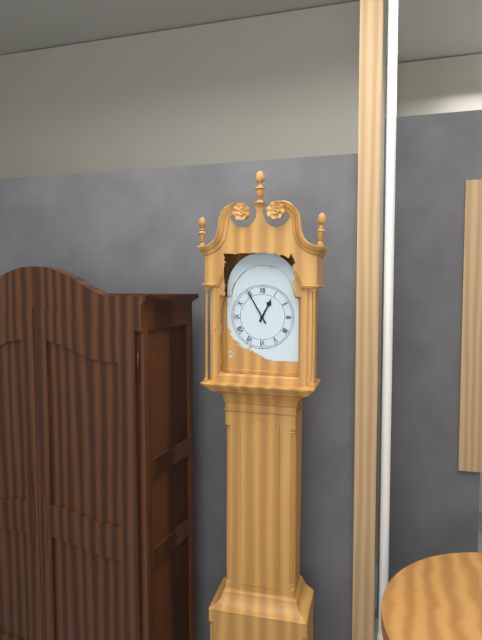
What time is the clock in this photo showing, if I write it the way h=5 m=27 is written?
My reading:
h=12 m=55
